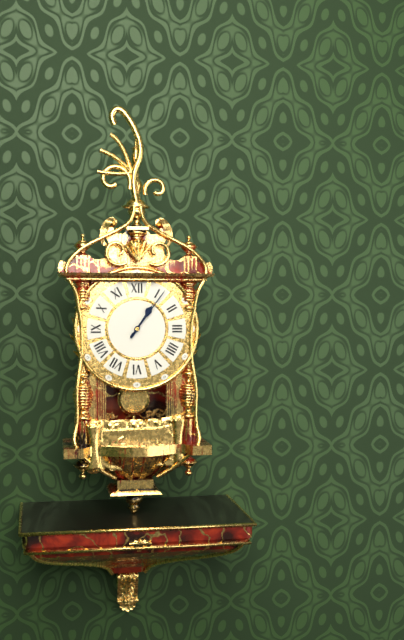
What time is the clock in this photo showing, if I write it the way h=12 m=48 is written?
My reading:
h=1 m=6
